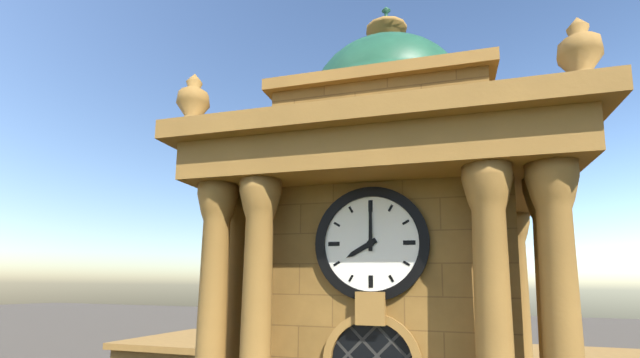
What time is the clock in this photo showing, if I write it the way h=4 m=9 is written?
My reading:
h=8 m=0
